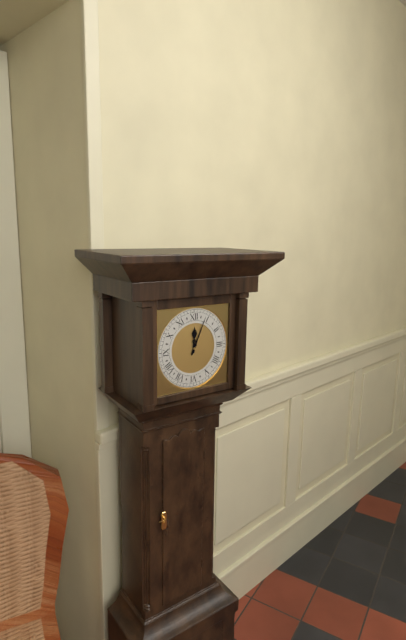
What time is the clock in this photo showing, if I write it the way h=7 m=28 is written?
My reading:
h=12 m=4
